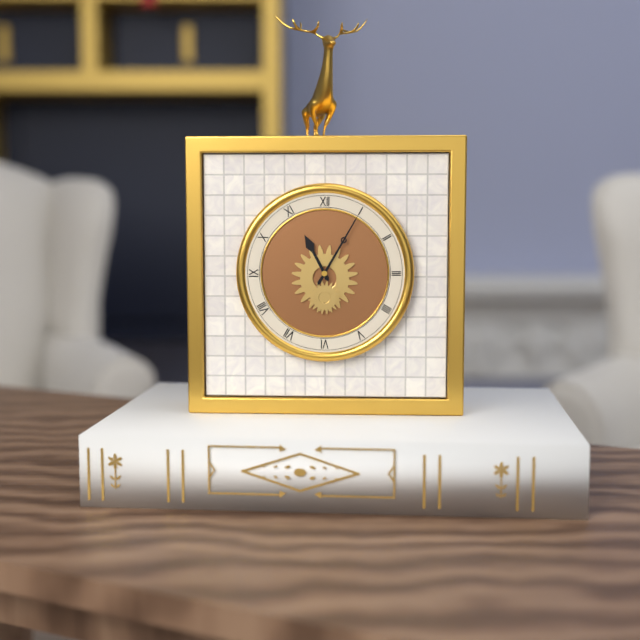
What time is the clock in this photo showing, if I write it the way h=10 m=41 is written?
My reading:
h=11 m=5
